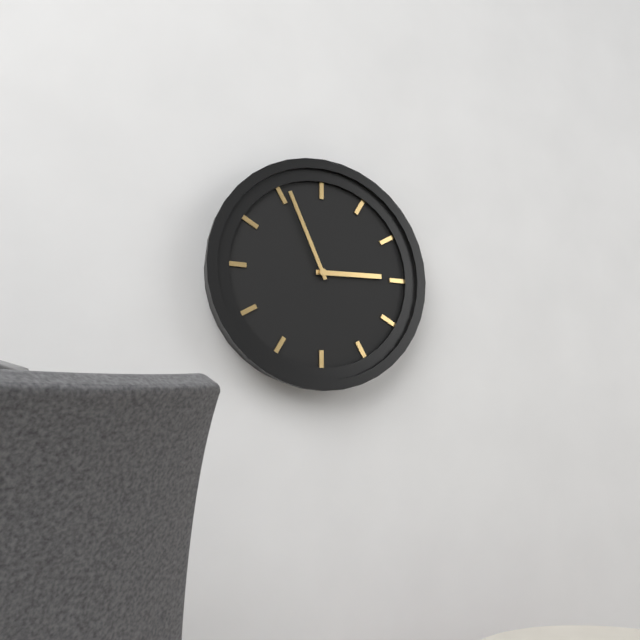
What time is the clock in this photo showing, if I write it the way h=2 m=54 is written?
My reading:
h=2 m=56
